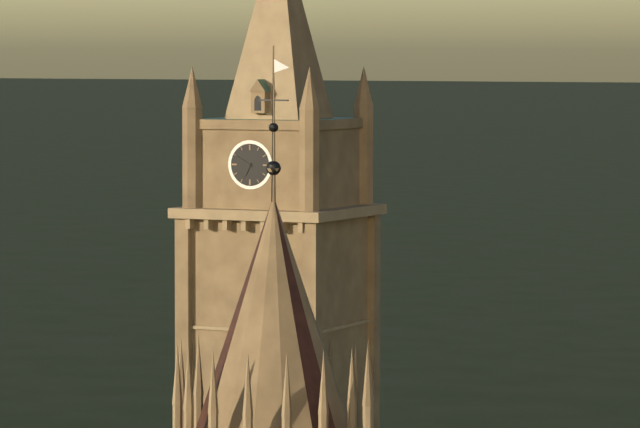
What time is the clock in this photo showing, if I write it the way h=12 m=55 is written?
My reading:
h=6 m=50
